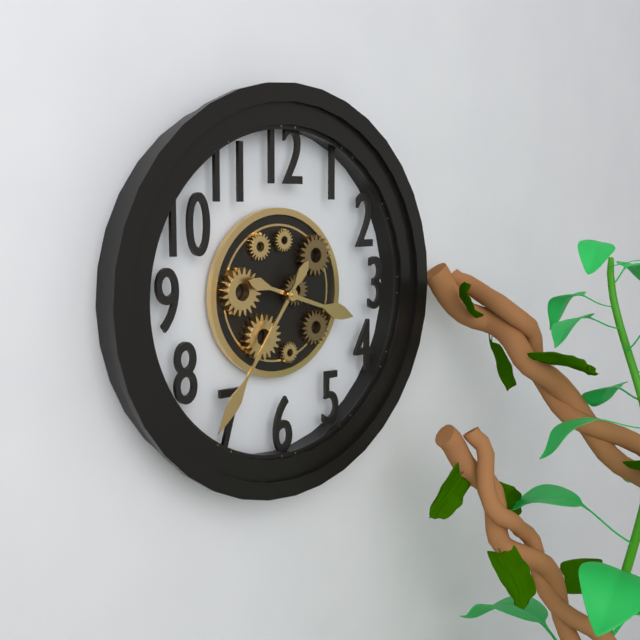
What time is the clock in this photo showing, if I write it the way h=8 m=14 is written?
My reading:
h=3 m=36
